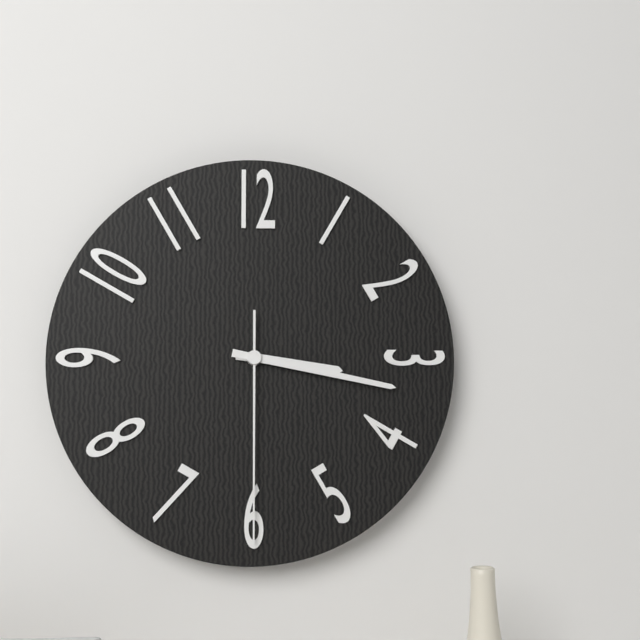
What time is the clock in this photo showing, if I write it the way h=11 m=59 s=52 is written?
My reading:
h=3 m=17 s=30
